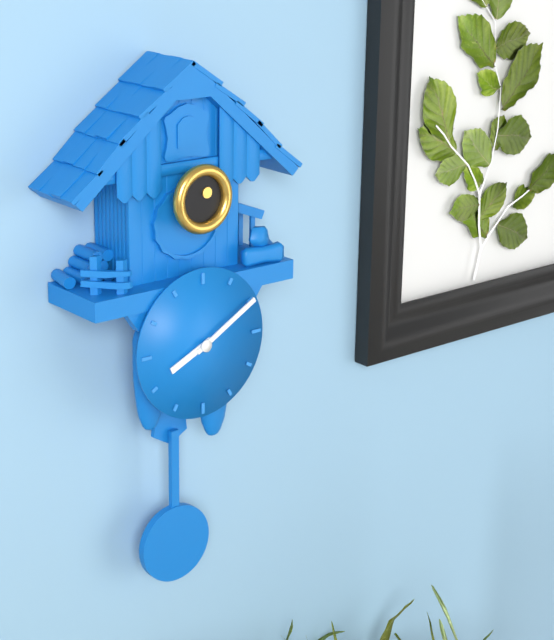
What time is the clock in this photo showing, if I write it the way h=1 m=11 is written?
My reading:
h=8 m=10
